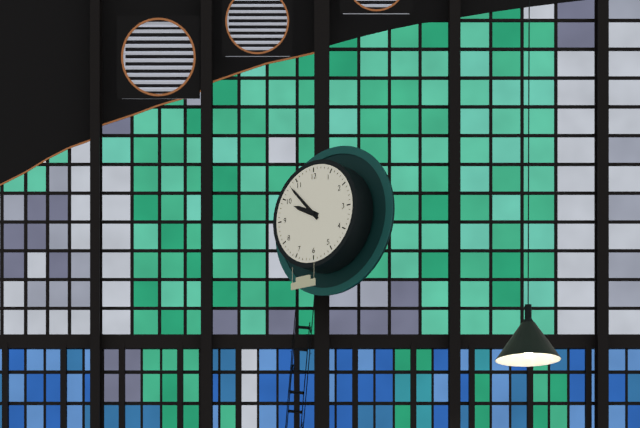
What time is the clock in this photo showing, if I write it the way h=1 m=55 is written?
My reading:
h=9 m=53
